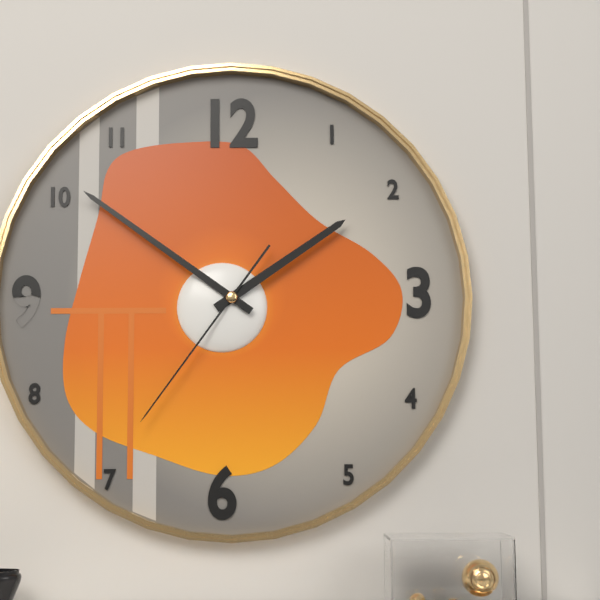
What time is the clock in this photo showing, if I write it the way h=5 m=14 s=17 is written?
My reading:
h=1 m=51 s=36
